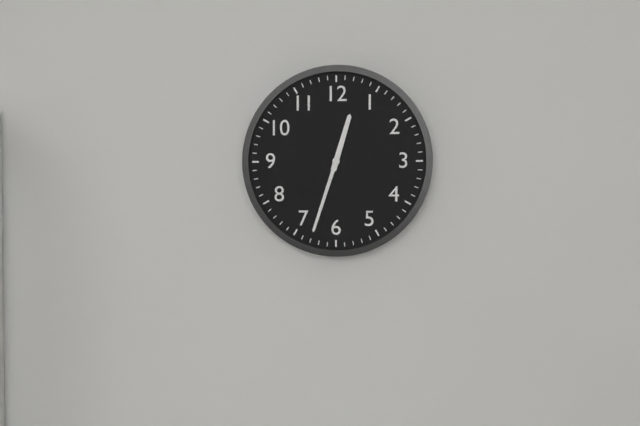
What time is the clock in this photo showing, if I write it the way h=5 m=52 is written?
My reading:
h=12 m=33
